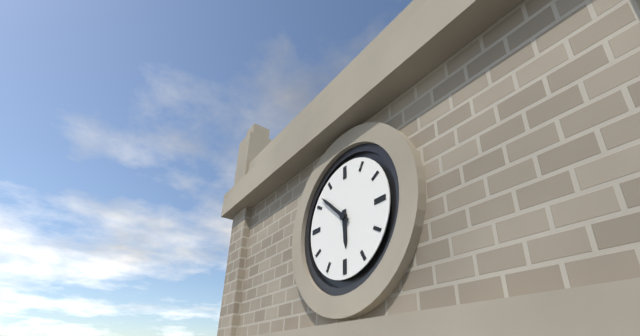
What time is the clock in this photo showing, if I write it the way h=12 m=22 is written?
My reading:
h=5 m=52
